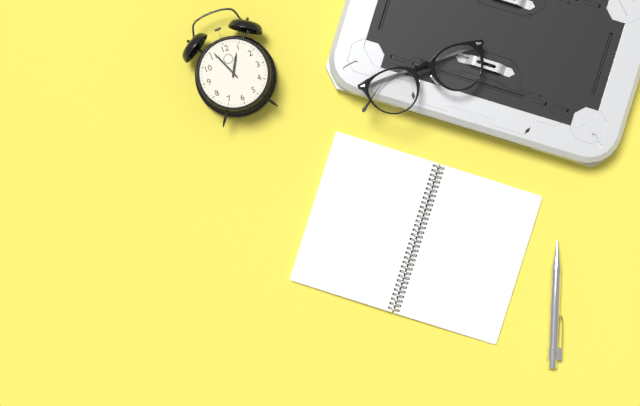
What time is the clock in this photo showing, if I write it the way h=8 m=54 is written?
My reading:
h=12 m=56
